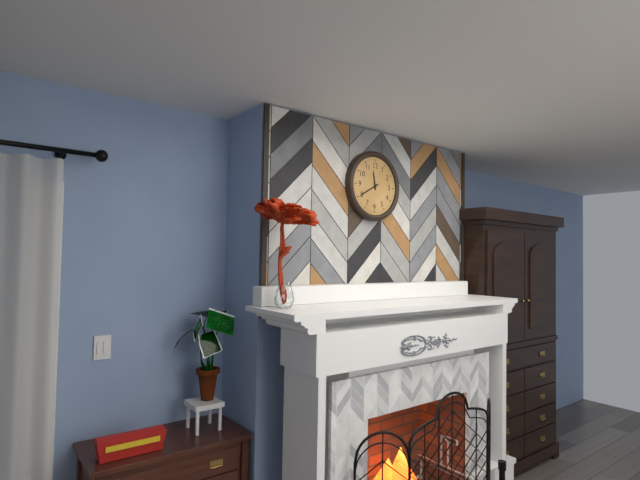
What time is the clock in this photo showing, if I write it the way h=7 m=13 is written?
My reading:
h=11 m=40
